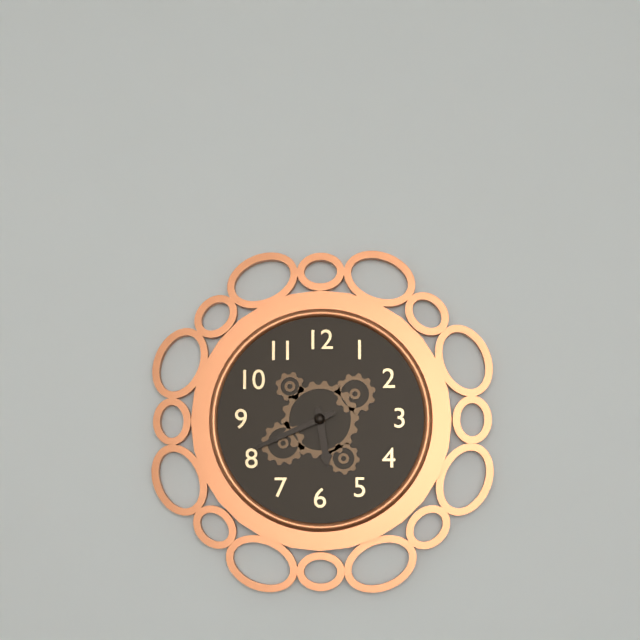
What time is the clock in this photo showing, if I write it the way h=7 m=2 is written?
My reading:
h=5 m=41
